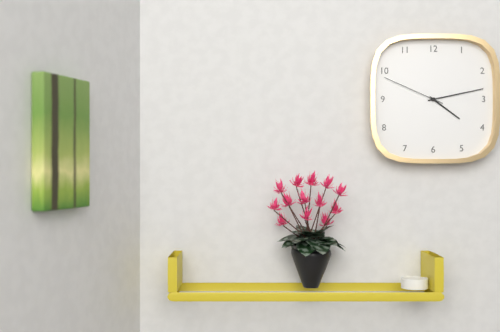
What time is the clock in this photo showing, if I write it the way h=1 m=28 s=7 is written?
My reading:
h=4 m=13 s=49
